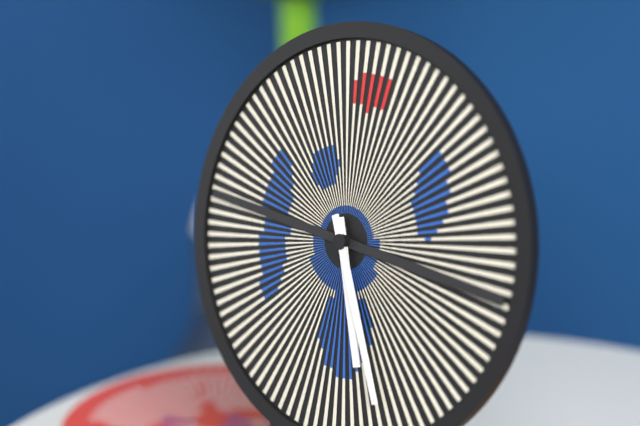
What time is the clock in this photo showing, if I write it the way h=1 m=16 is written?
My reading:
h=5 m=26
